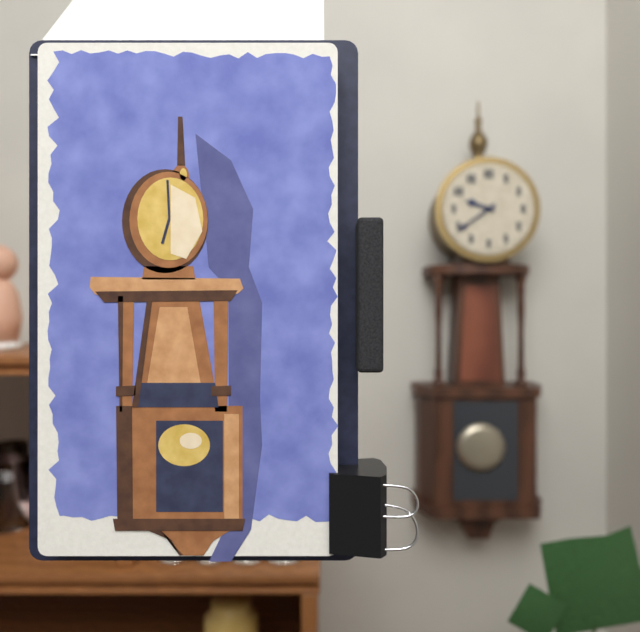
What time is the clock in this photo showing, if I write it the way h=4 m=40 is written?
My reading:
h=9 m=39
